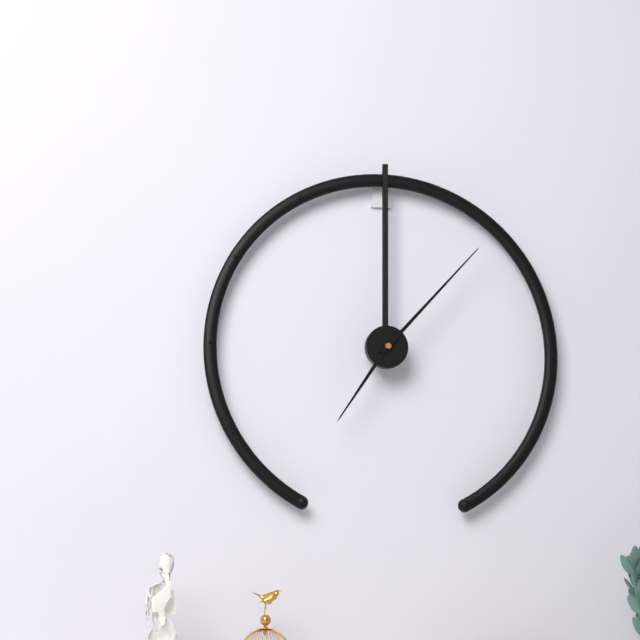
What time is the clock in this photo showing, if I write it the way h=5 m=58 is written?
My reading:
h=7 m=7
